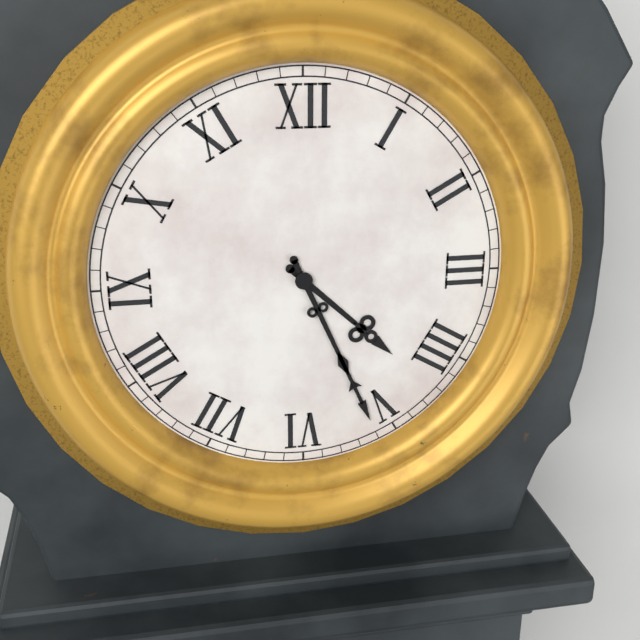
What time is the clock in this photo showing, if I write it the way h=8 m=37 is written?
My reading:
h=4 m=26
